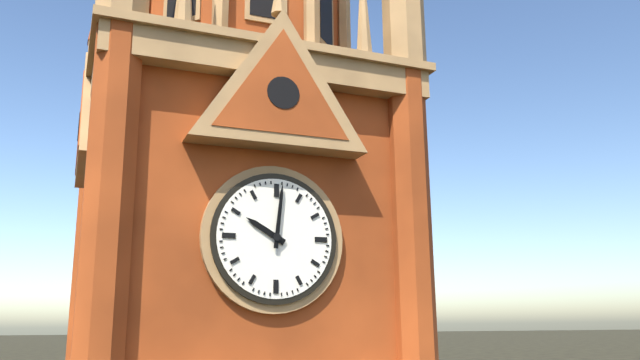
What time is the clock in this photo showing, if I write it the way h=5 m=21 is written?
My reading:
h=10 m=1
